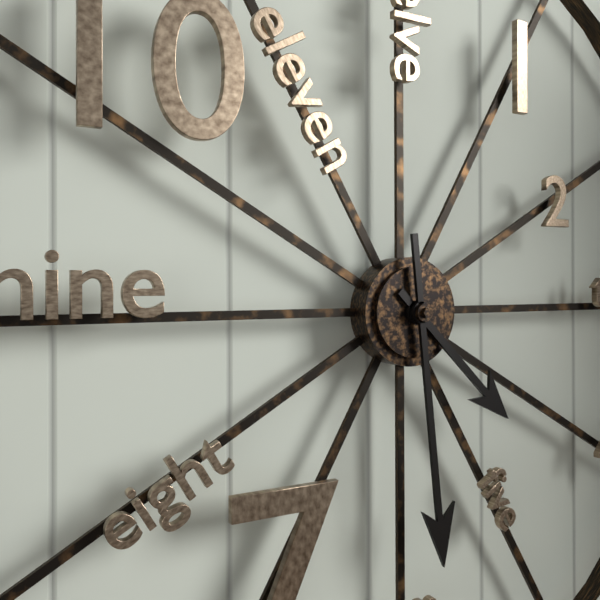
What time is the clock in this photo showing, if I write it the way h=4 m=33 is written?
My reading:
h=4 m=29
